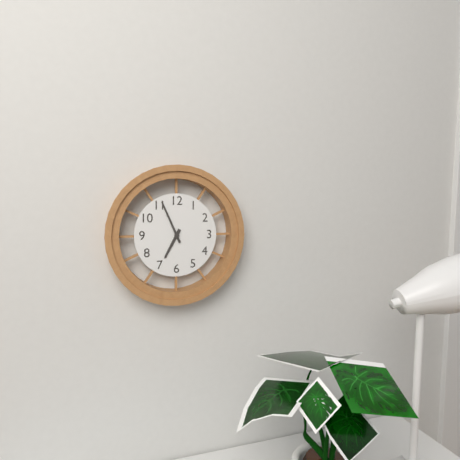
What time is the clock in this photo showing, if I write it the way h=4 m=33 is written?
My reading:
h=6 m=56
